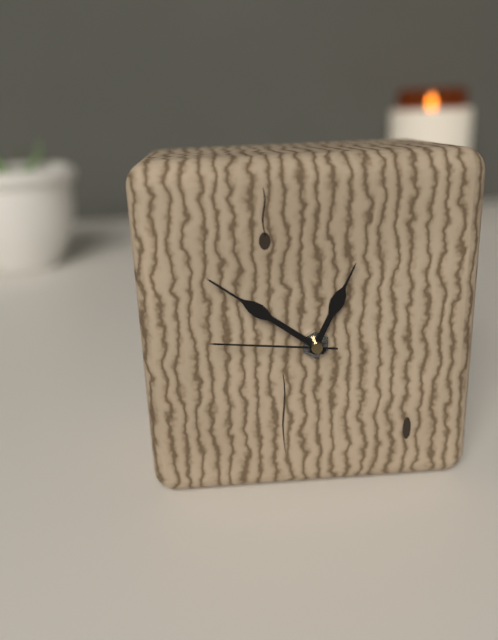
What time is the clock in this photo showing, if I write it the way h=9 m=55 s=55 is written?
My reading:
h=12 m=51 s=46
